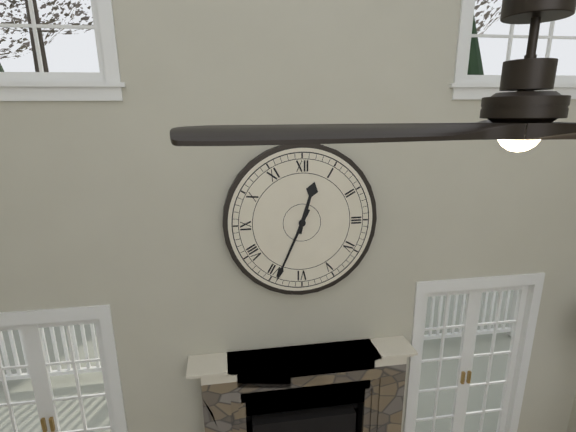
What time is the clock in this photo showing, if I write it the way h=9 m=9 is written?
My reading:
h=12 m=34
